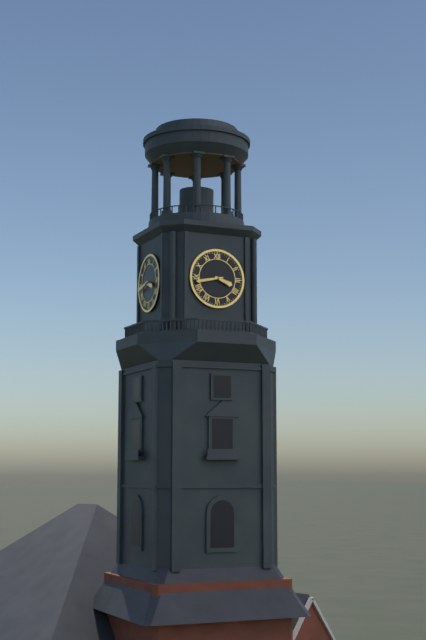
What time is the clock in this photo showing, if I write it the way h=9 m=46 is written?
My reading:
h=3 m=43
